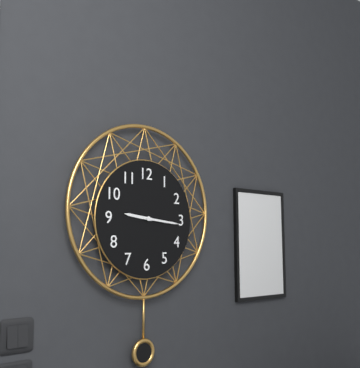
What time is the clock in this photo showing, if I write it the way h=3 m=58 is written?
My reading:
h=9 m=16
